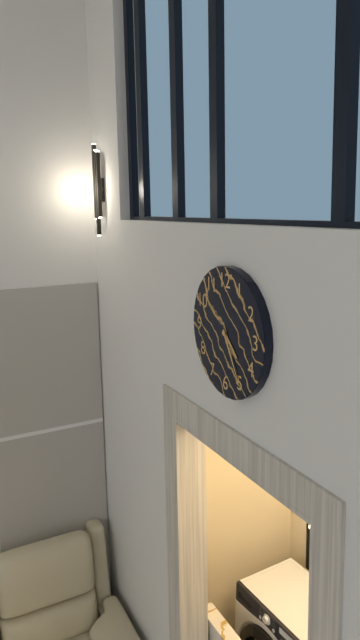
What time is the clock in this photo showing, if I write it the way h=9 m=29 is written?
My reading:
h=4 m=25
